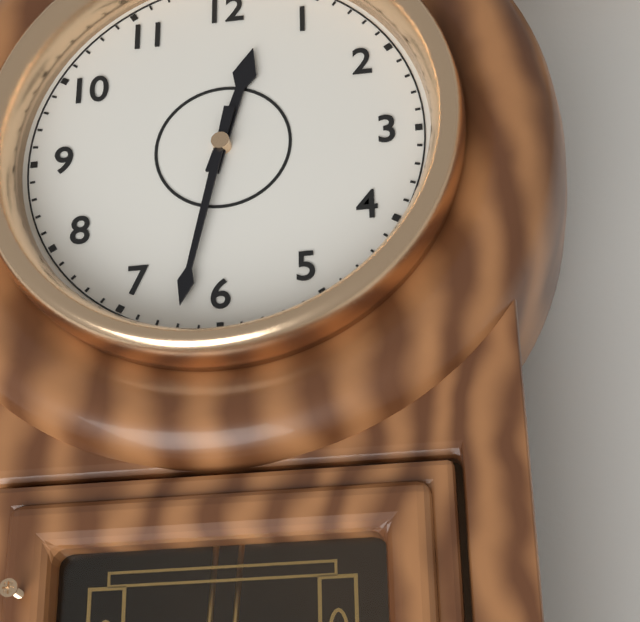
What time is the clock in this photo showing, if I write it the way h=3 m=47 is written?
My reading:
h=12 m=32
